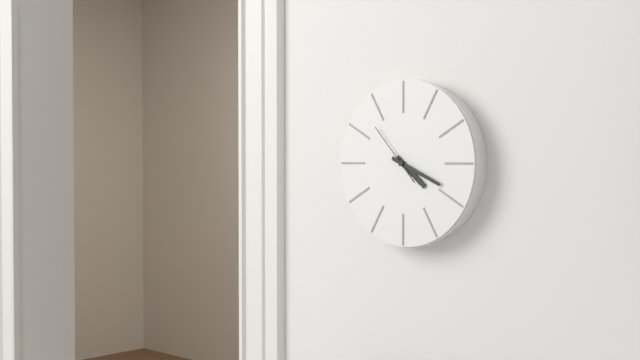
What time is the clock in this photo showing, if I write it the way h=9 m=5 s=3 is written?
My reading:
h=4 m=19 s=53
